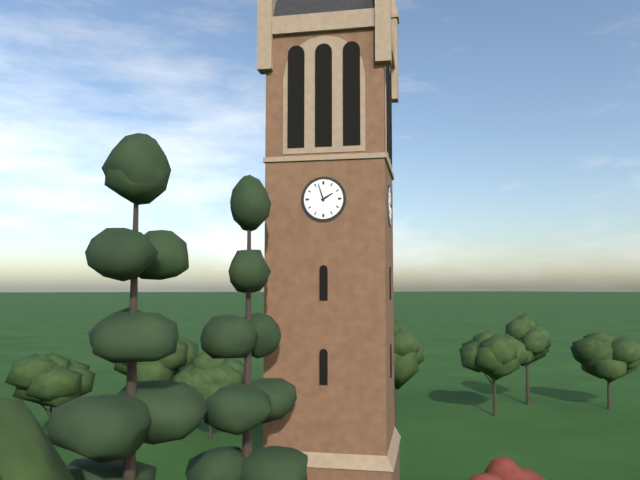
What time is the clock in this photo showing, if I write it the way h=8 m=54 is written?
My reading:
h=1 m=57
